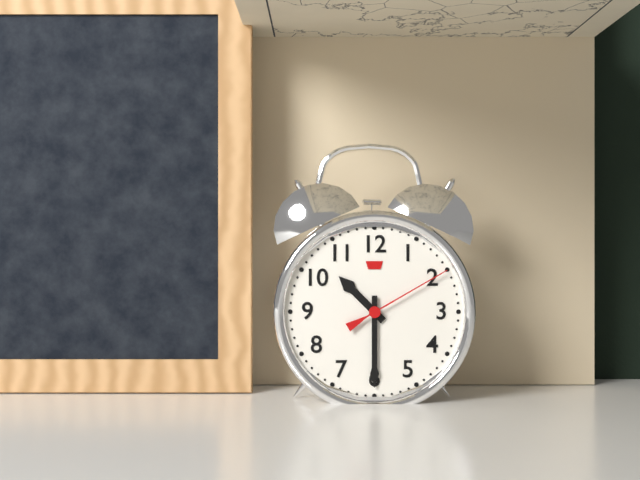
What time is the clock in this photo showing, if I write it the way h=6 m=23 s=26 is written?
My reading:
h=10 m=30 s=10
